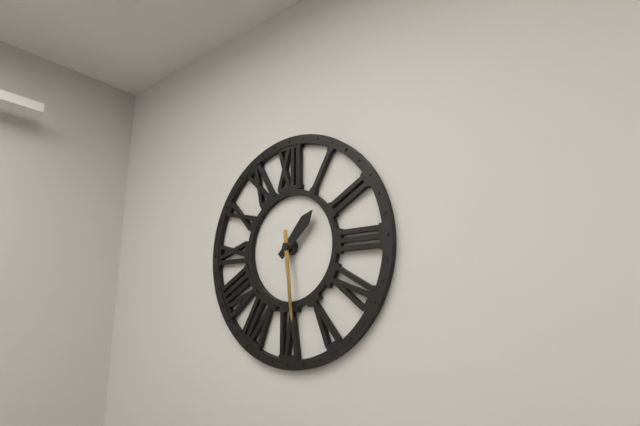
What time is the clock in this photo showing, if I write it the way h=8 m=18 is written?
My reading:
h=1 m=29
